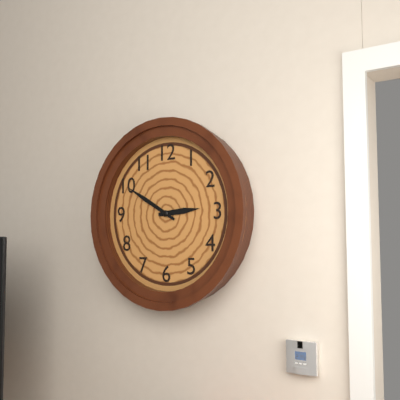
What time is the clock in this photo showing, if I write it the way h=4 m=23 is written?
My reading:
h=2 m=50
